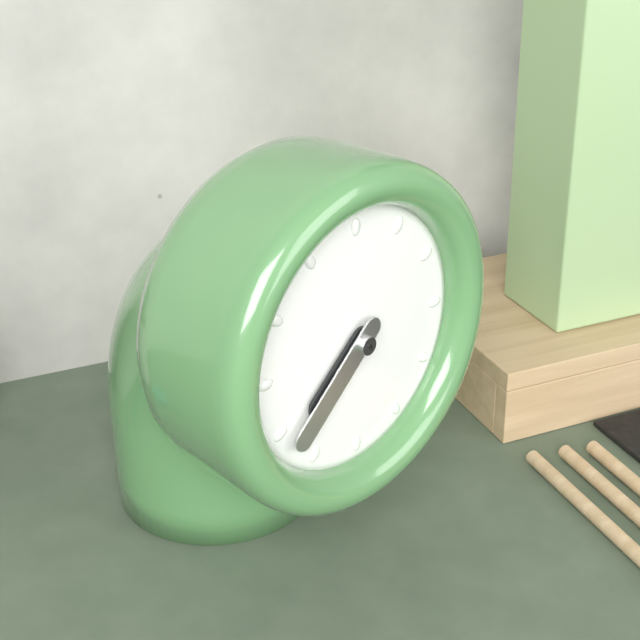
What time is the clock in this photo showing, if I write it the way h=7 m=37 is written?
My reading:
h=7 m=38
